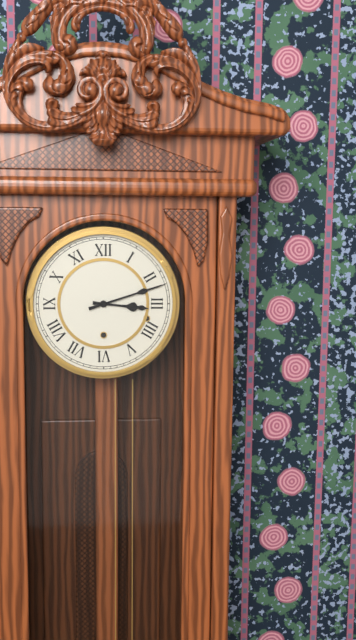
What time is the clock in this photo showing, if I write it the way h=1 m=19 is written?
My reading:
h=3 m=12
